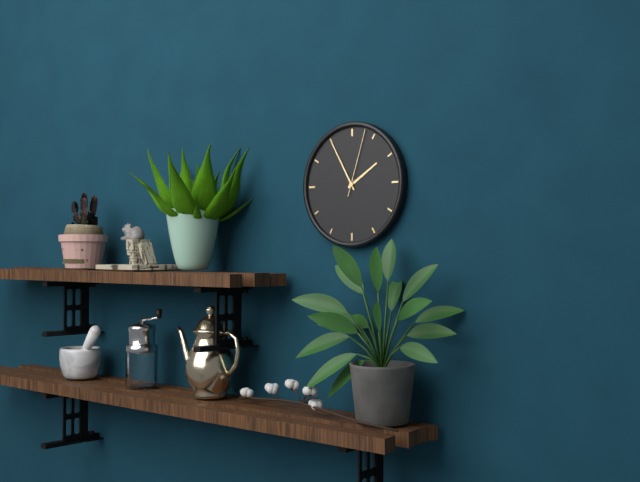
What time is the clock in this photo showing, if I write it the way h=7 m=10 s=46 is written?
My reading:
h=1 m=55 s=3
